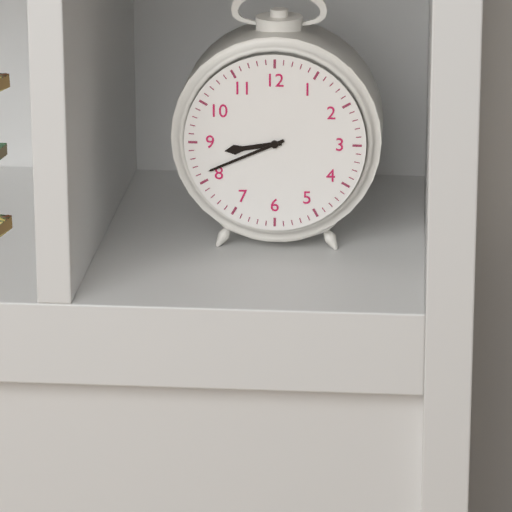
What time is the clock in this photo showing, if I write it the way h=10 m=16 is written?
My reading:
h=8 m=41
